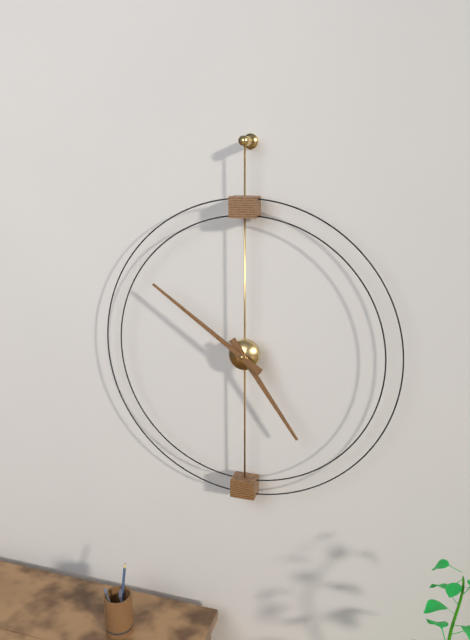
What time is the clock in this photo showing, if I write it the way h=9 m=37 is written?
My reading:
h=4 m=51
